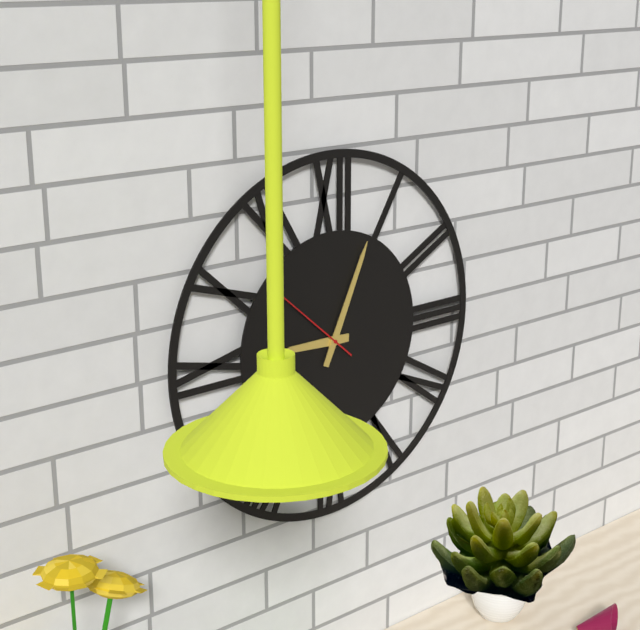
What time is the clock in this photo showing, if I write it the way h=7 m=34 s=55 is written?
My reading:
h=9 m=4 s=52
